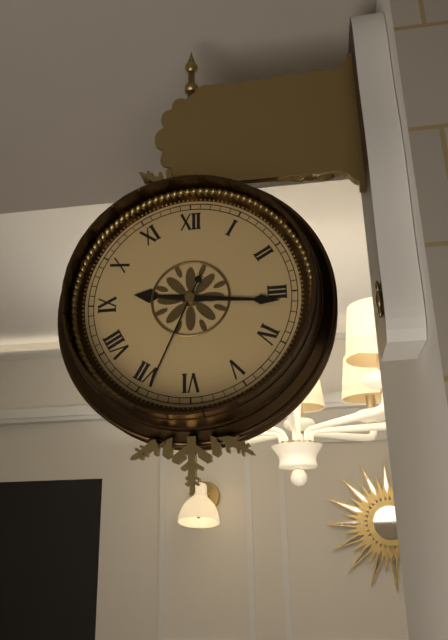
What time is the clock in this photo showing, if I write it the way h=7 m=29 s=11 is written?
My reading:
h=9 m=16 s=34
